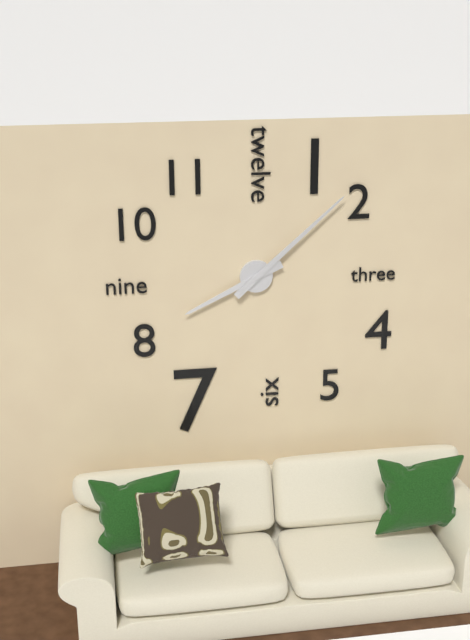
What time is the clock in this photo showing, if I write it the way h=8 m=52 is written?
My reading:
h=8 m=8
